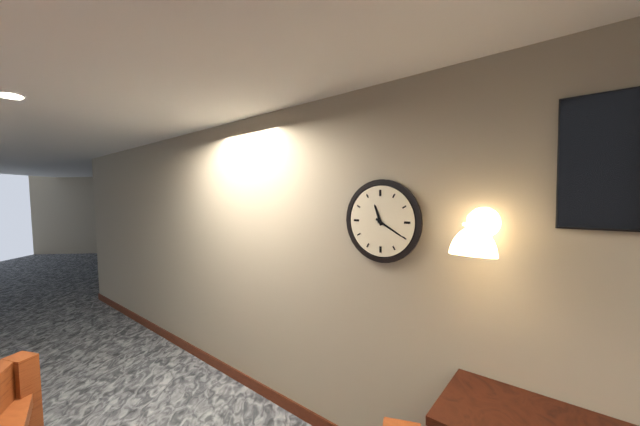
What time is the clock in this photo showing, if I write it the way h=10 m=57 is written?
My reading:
h=11 m=20
